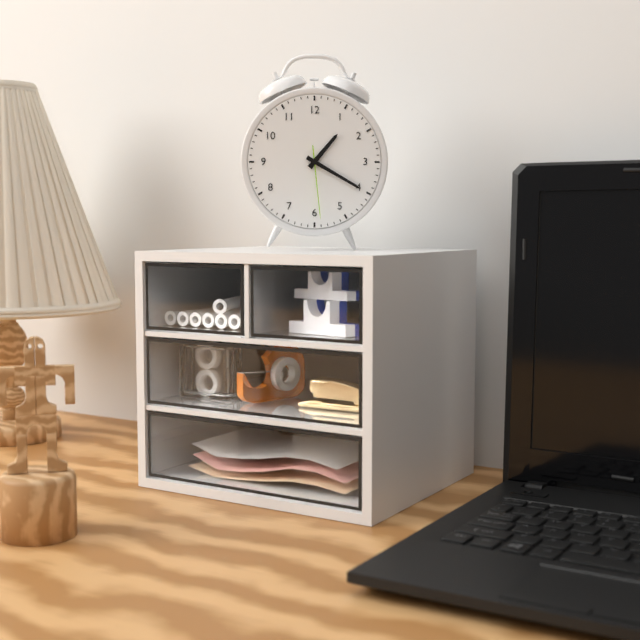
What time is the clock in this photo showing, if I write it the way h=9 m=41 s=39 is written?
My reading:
h=1 m=20 s=29
